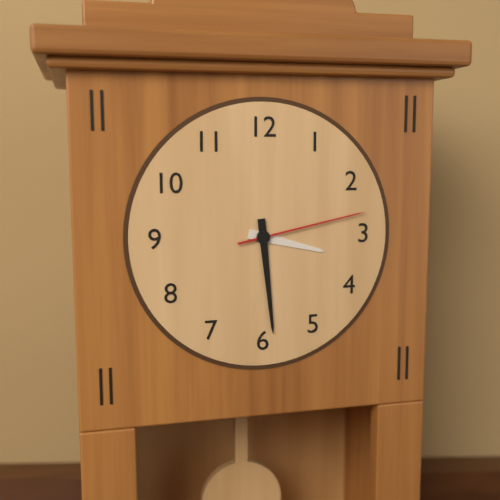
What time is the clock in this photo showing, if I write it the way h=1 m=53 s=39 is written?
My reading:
h=3 m=29 s=13
